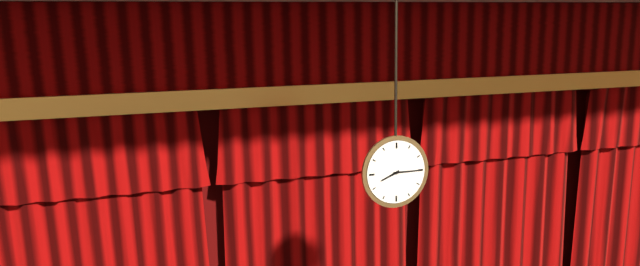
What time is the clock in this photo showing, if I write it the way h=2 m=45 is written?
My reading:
h=8 m=15
